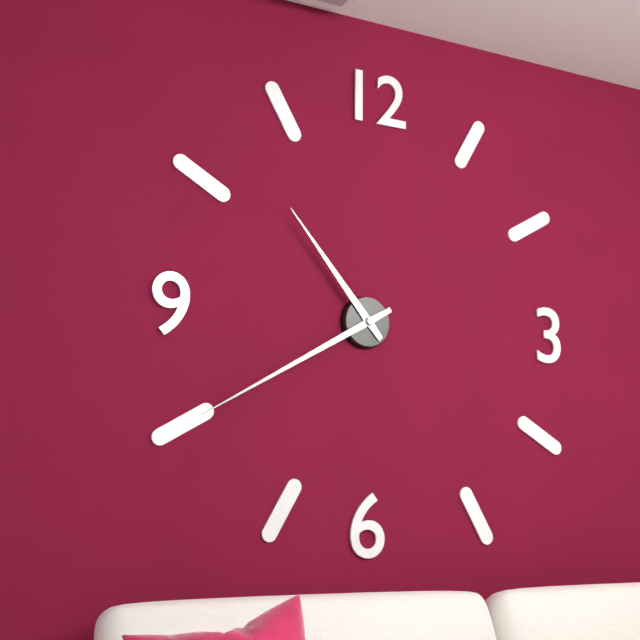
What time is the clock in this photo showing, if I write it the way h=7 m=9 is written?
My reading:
h=10 m=40
